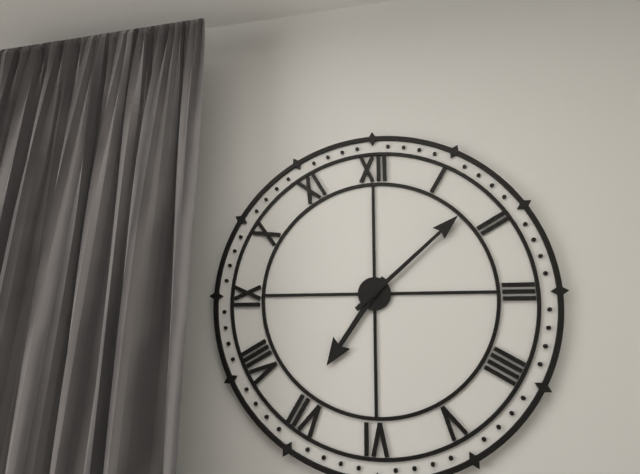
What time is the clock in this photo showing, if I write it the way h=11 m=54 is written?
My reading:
h=7 m=8
